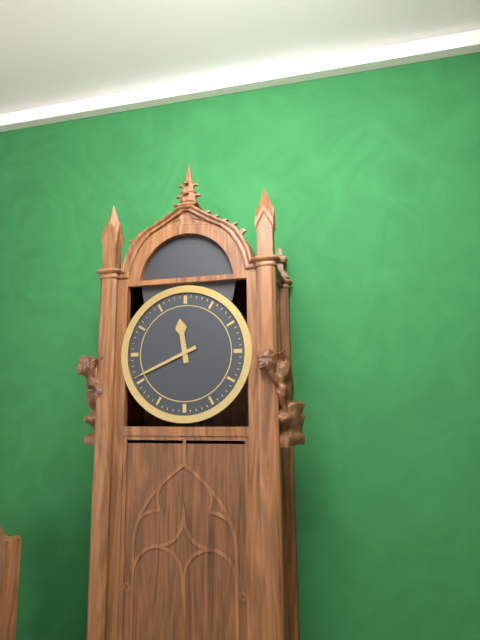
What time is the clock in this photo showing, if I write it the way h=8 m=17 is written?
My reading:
h=11 m=41
